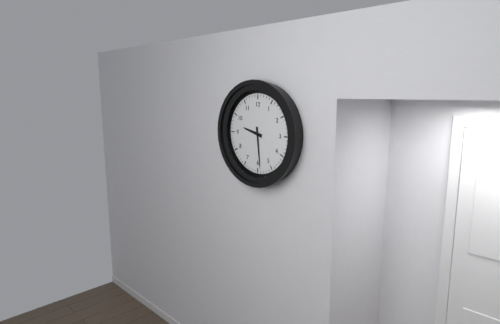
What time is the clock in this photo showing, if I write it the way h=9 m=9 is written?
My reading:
h=9 m=29
